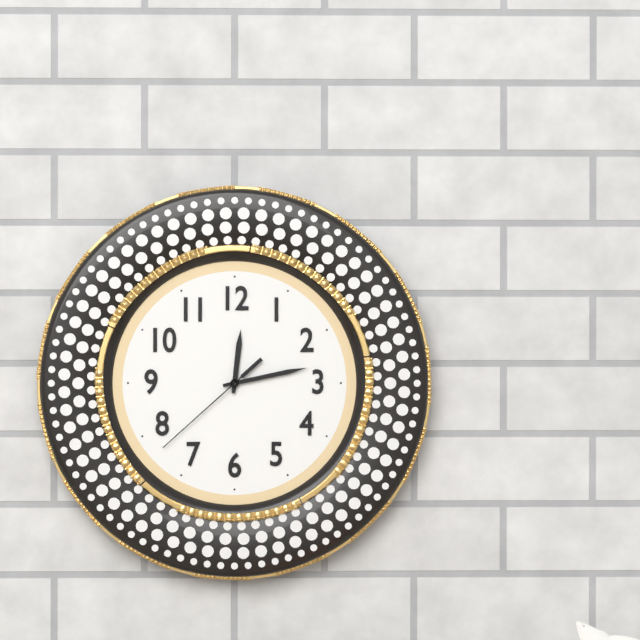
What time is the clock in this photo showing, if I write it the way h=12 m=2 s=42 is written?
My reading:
h=12 m=13 s=38
